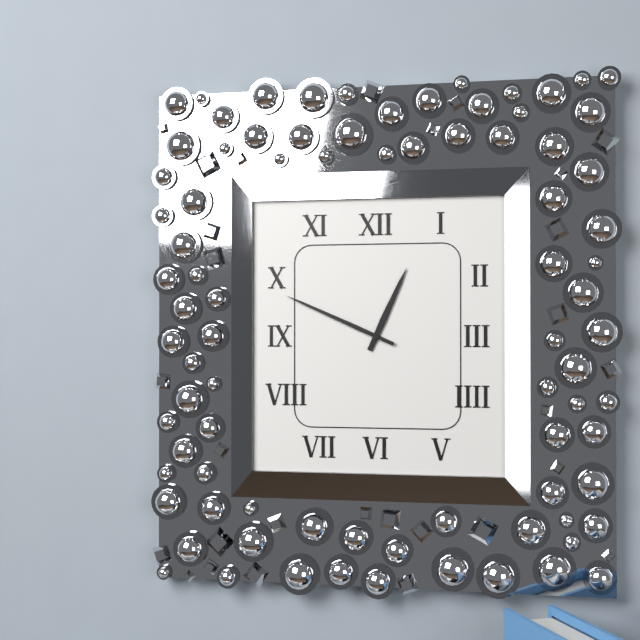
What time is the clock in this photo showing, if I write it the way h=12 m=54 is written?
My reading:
h=12 m=49
